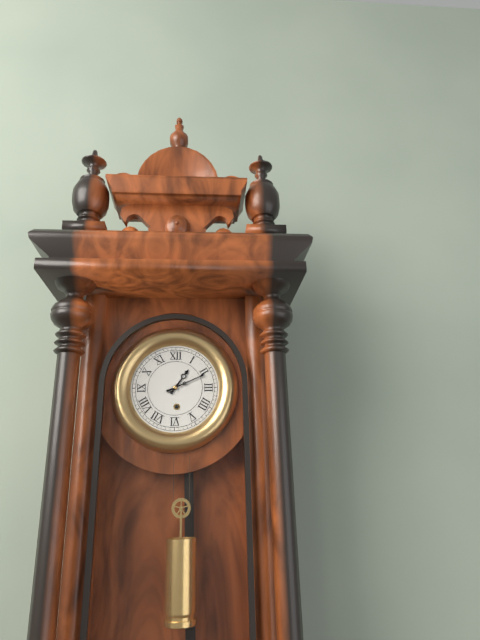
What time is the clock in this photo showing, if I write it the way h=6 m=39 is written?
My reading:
h=1 m=11
